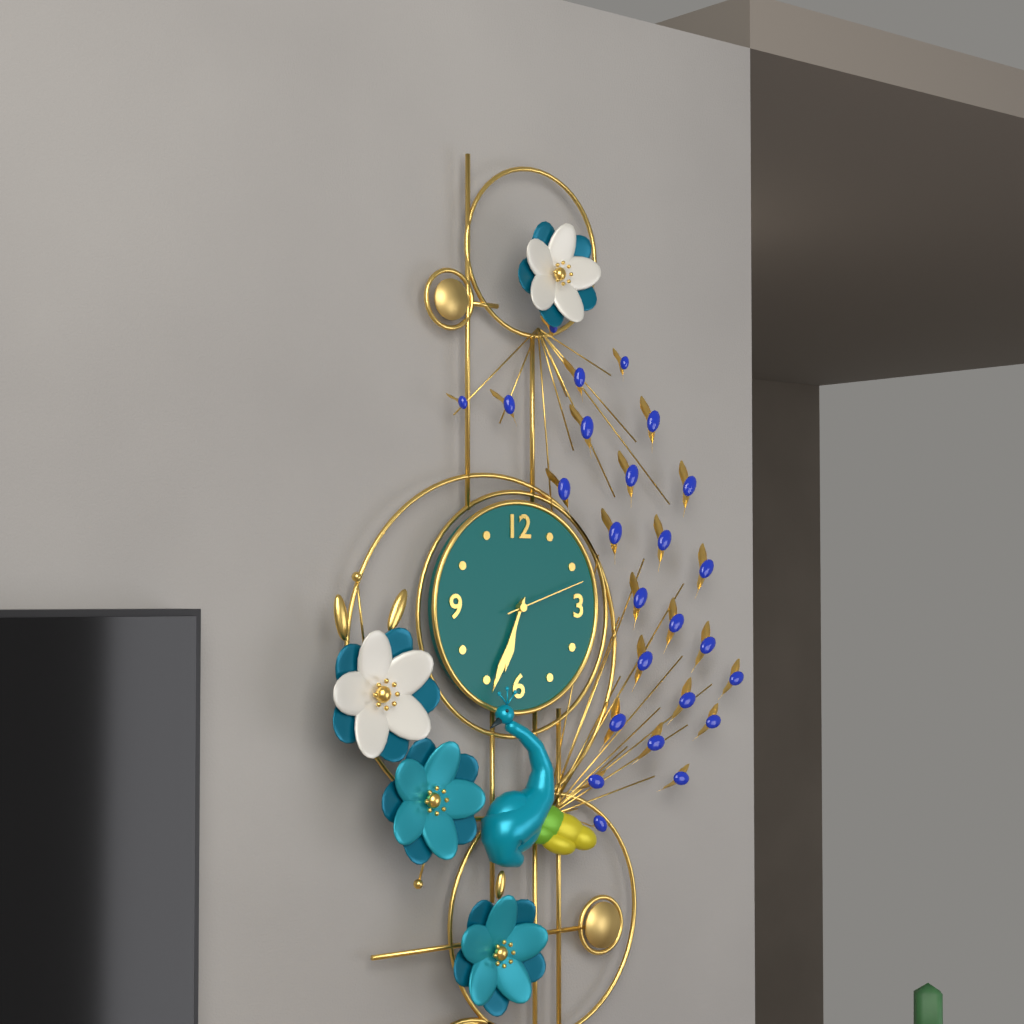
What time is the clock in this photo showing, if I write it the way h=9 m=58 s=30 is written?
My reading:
h=6 m=34 s=12
